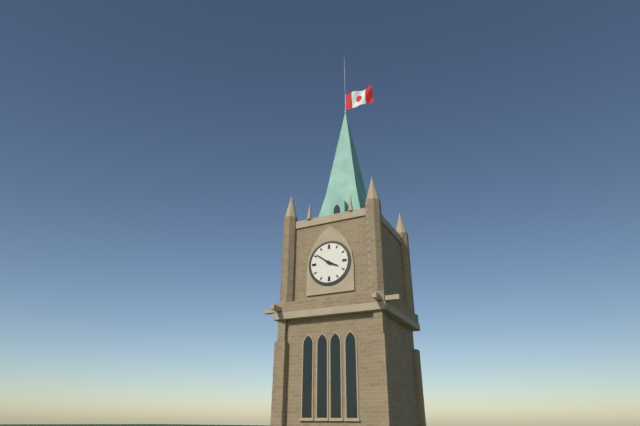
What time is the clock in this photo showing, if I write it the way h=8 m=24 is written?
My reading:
h=3 m=51
